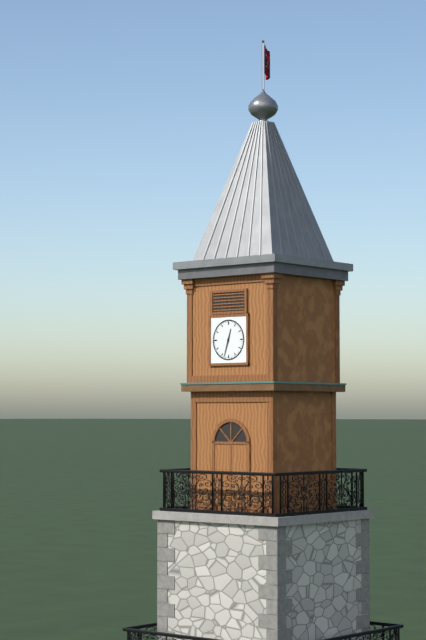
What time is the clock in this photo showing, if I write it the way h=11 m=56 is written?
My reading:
h=12 m=33
